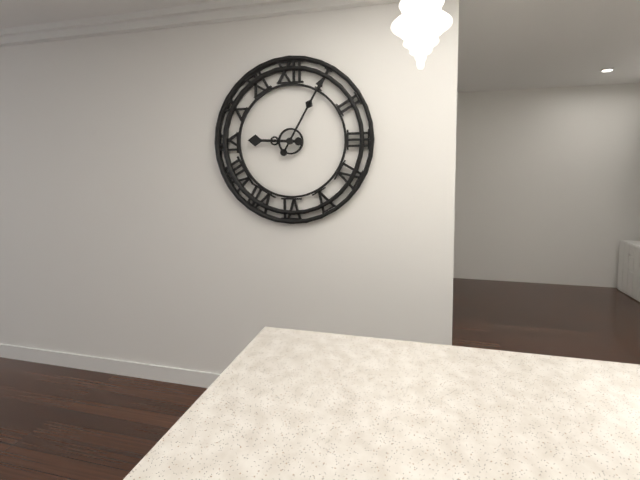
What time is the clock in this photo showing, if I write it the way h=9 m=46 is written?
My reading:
h=9 m=5
